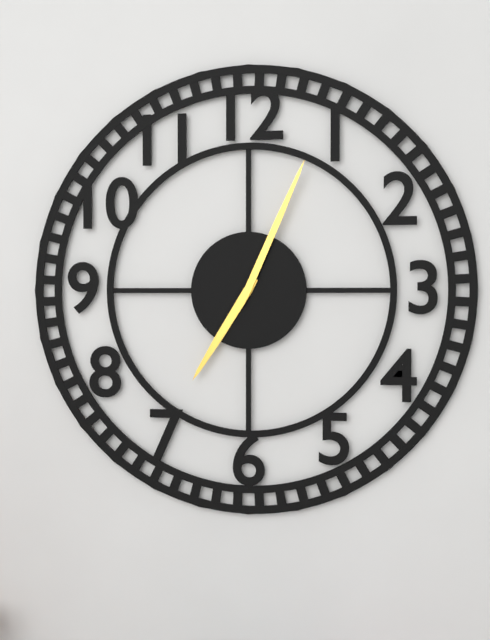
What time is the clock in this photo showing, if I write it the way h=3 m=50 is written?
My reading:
h=7 m=4
